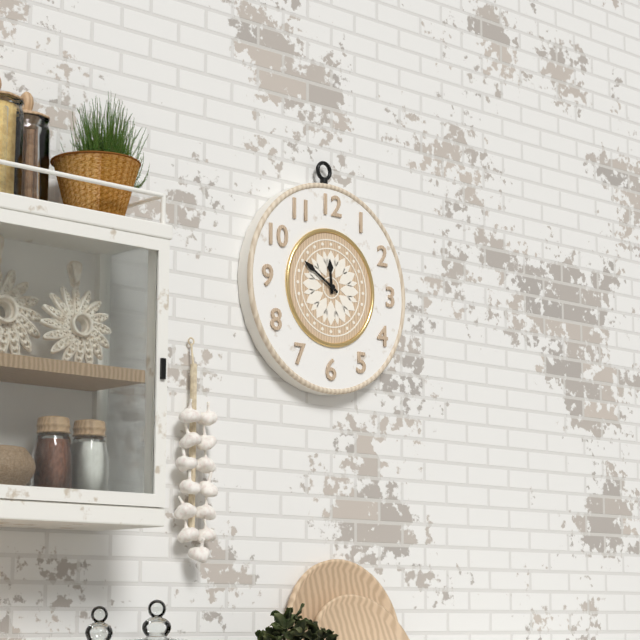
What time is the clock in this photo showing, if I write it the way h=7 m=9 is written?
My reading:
h=11 m=50
